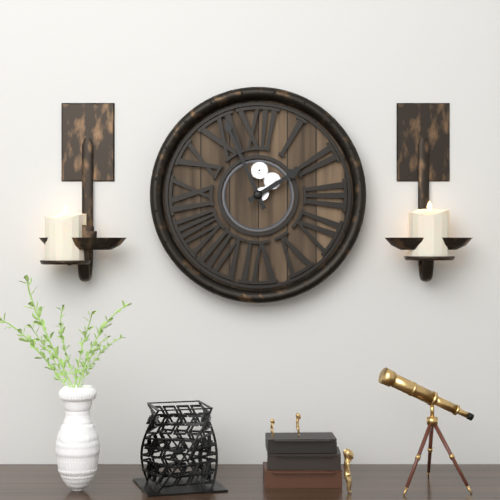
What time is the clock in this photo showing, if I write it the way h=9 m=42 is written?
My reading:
h=1 m=56
